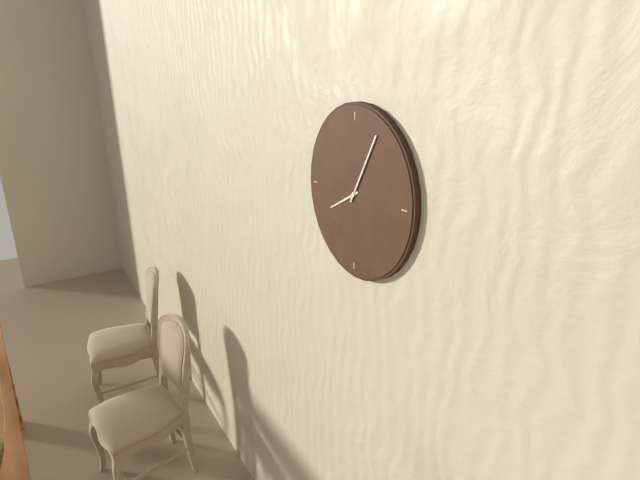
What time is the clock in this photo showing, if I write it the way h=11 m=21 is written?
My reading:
h=8 m=5
